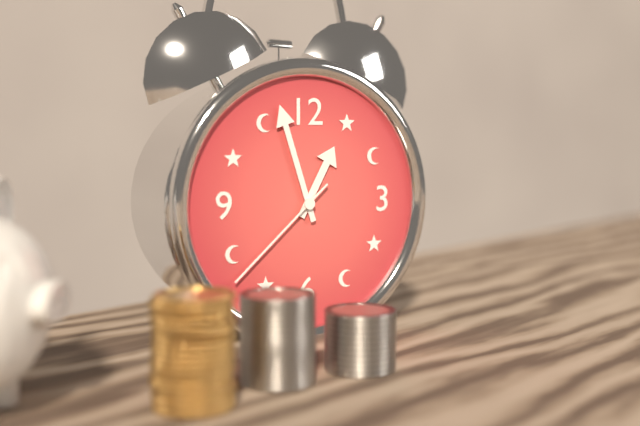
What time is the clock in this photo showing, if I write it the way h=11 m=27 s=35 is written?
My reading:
h=12 m=57 s=38
